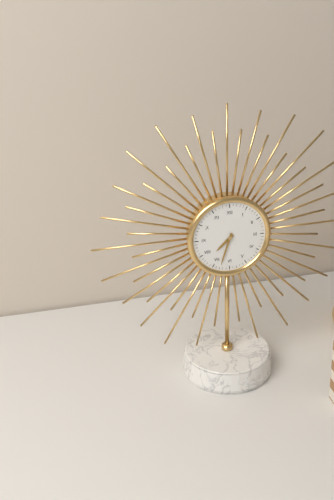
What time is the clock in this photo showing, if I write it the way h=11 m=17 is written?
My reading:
h=7 m=33
